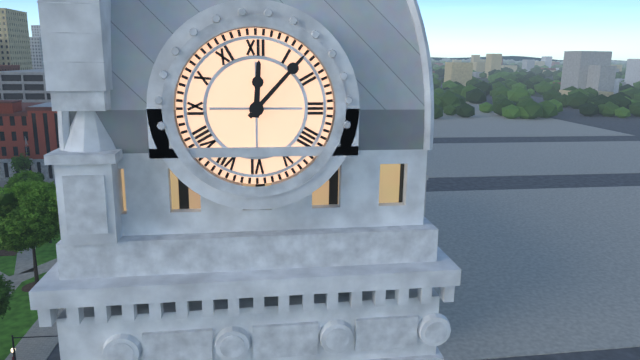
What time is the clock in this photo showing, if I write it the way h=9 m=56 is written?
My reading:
h=12 m=7
